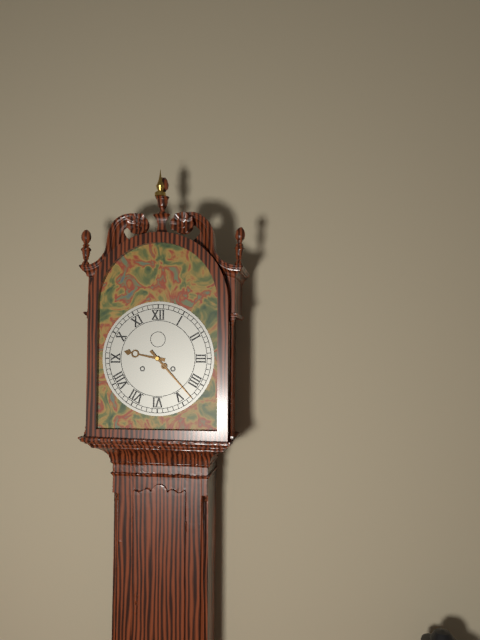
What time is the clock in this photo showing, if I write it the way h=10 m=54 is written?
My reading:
h=9 m=23
